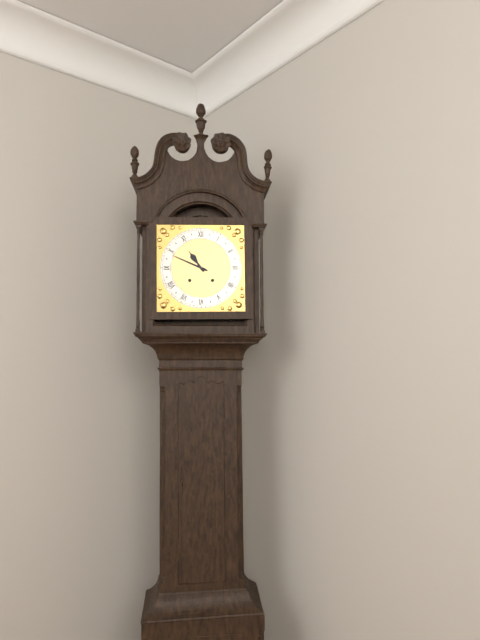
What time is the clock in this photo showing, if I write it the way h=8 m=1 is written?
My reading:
h=10 m=49
